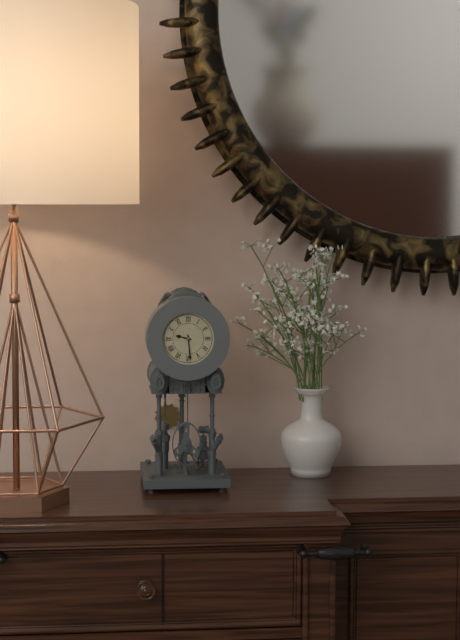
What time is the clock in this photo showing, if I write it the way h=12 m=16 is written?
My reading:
h=9 m=29
